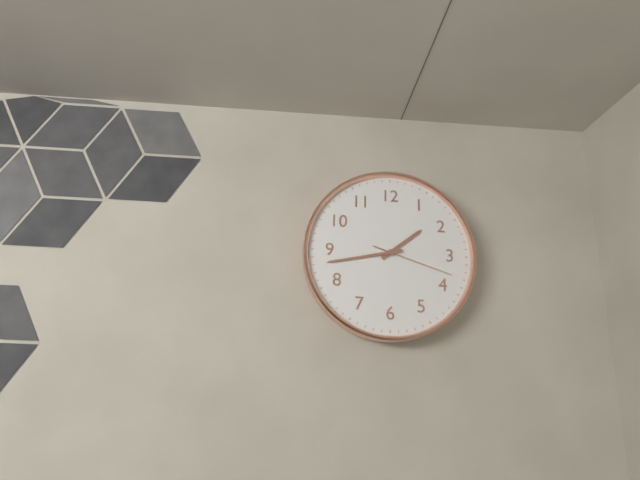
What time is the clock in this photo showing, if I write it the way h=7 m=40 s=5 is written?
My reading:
h=1 m=43 s=18
